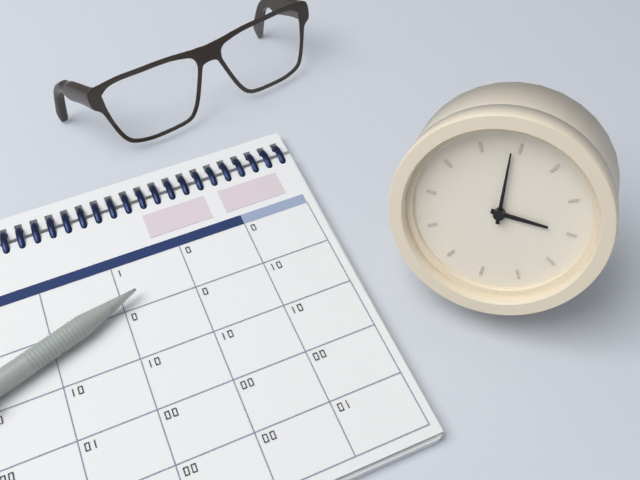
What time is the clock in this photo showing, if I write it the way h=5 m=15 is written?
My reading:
h=2 m=59
